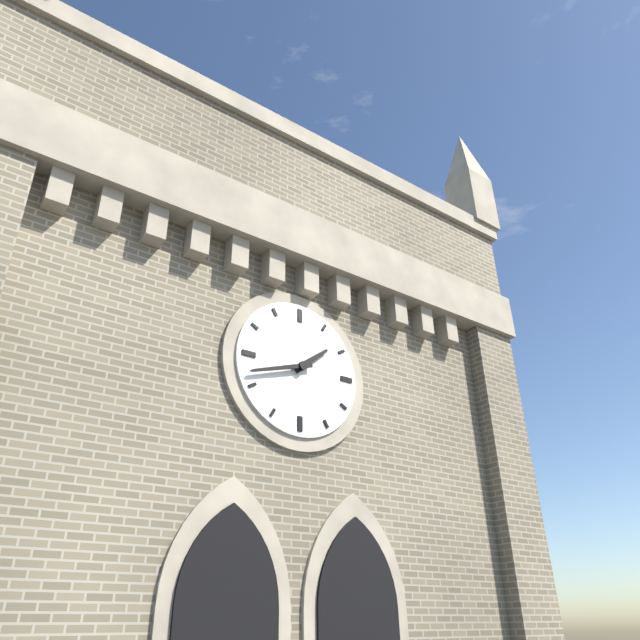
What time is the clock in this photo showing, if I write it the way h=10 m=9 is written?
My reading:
h=1 m=42
